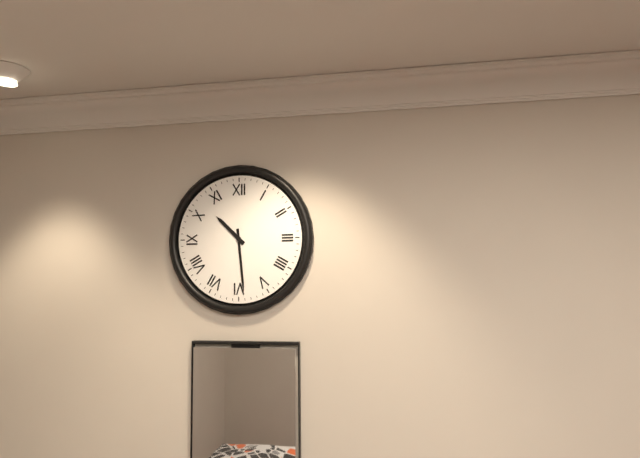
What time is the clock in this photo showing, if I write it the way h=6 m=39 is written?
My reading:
h=10 m=29
